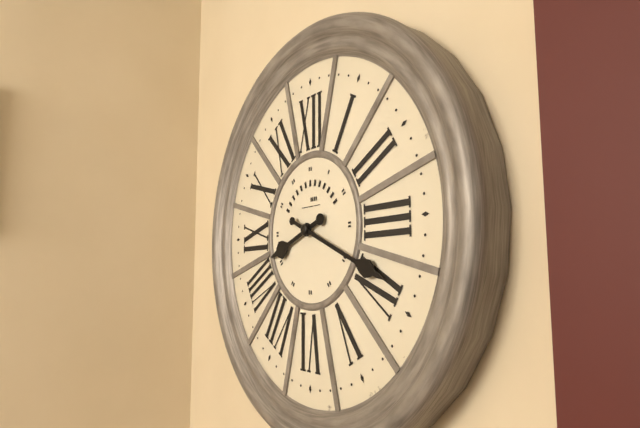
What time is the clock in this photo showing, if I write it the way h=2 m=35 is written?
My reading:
h=8 m=19
